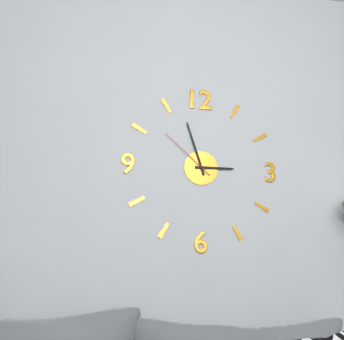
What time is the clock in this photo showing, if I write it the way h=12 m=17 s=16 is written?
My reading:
h=2 m=57 s=52
